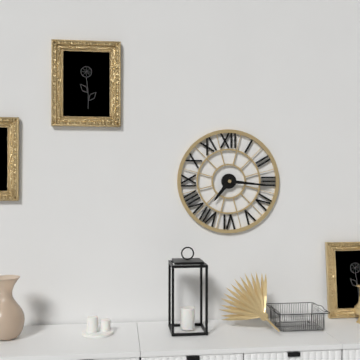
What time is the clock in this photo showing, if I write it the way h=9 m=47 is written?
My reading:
h=7 m=16
